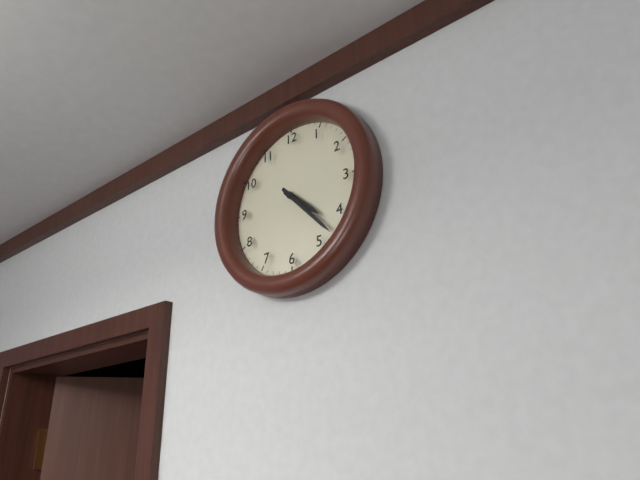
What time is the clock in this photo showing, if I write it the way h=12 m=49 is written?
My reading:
h=4 m=23
